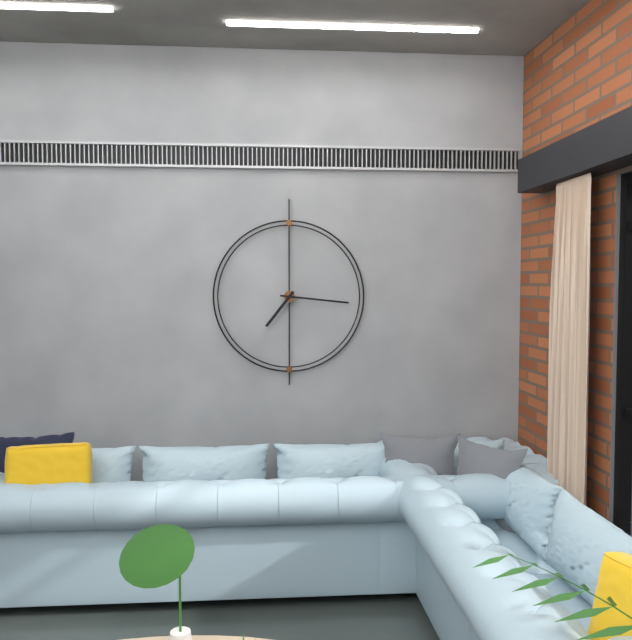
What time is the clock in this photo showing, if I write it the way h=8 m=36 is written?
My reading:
h=7 m=16
